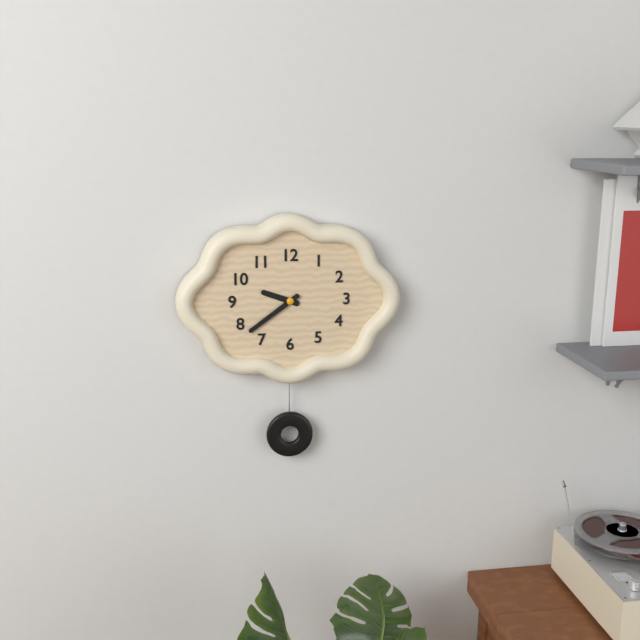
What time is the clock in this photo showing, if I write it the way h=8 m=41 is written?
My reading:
h=9 m=39
